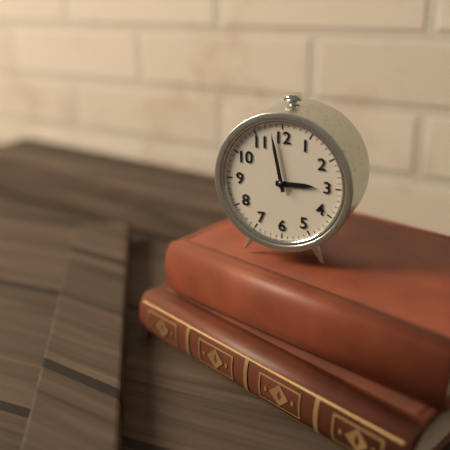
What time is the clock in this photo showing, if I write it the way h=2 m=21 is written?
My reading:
h=2 m=58
